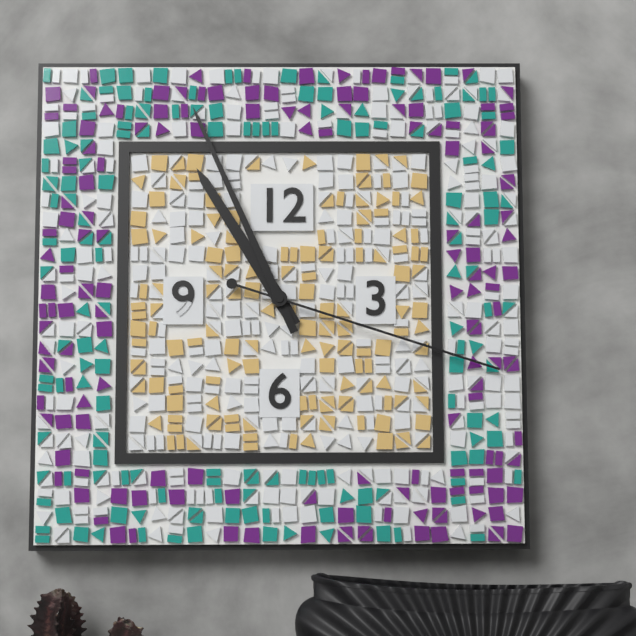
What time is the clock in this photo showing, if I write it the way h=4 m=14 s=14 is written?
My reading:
h=10 m=56 s=18
